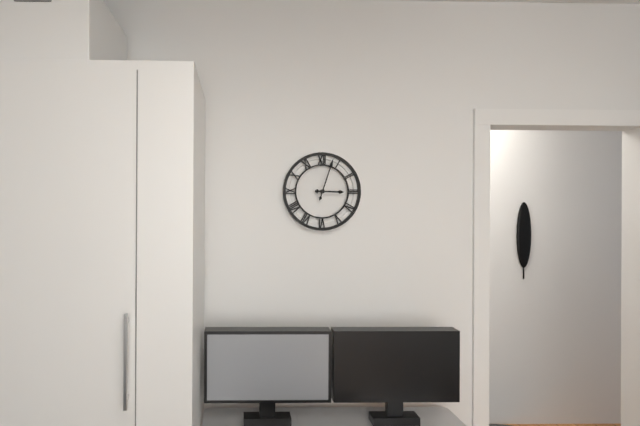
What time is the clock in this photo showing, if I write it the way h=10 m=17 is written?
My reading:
h=3 m=3
